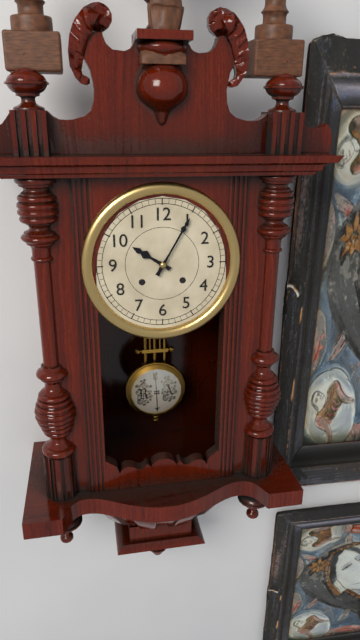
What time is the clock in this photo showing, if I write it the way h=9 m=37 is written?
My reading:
h=10 m=5
